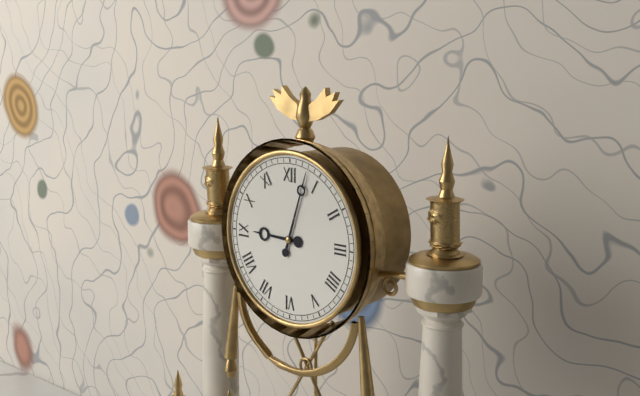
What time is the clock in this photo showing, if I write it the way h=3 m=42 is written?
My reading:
h=9 m=3
